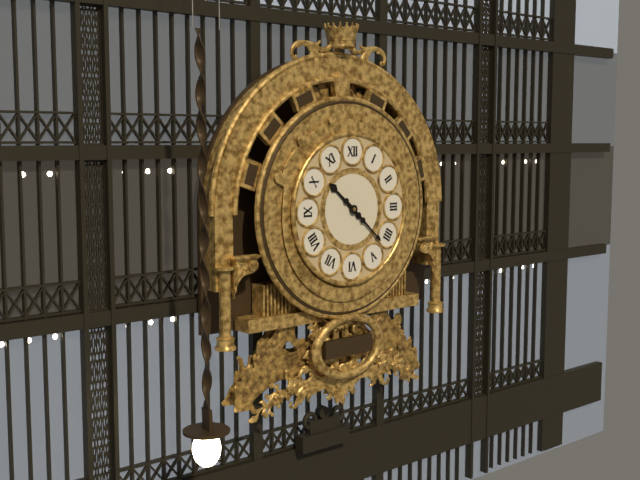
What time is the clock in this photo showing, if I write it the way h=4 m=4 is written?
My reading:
h=10 m=22
